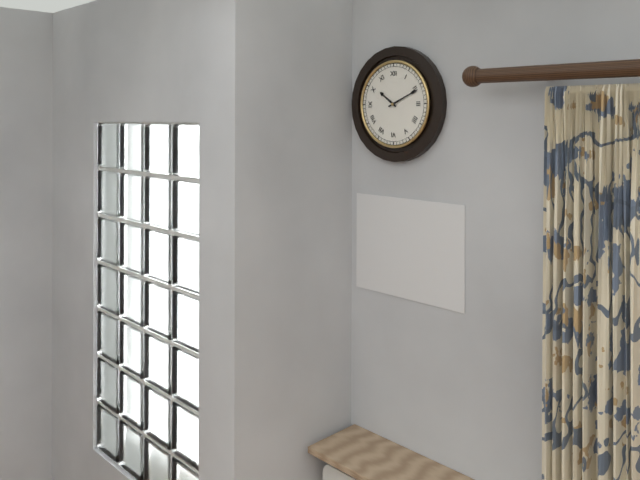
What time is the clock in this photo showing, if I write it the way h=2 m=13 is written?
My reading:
h=10 m=11
